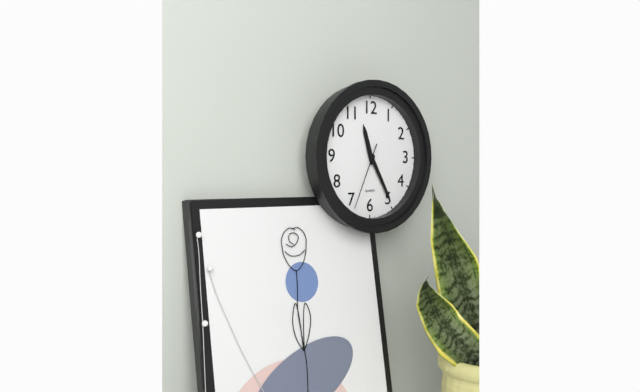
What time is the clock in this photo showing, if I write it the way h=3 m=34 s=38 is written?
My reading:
h=11 m=25 s=34
